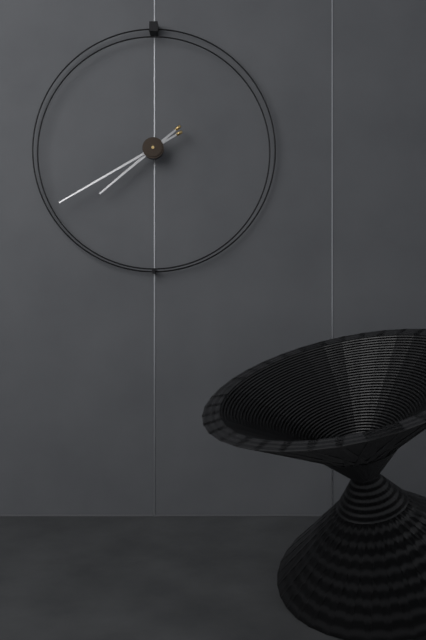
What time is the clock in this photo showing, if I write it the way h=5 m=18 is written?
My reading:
h=7 m=40
